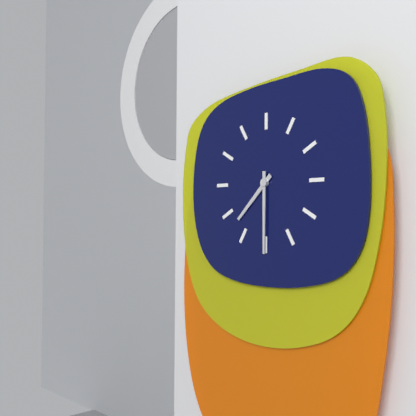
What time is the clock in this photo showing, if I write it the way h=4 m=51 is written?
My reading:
h=7 m=30
